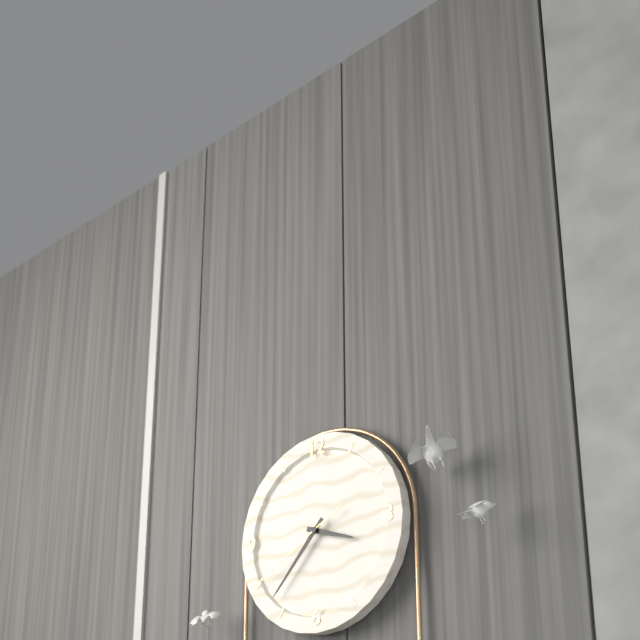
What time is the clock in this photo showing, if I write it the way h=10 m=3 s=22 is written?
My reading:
h=3 m=37 s=40
